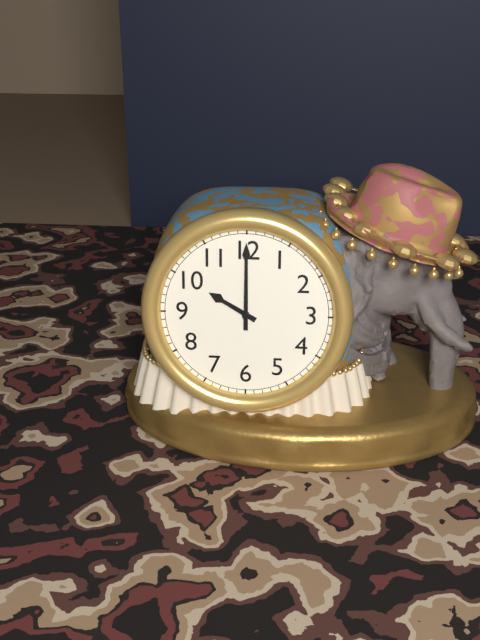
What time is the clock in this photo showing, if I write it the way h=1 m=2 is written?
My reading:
h=10 m=0
